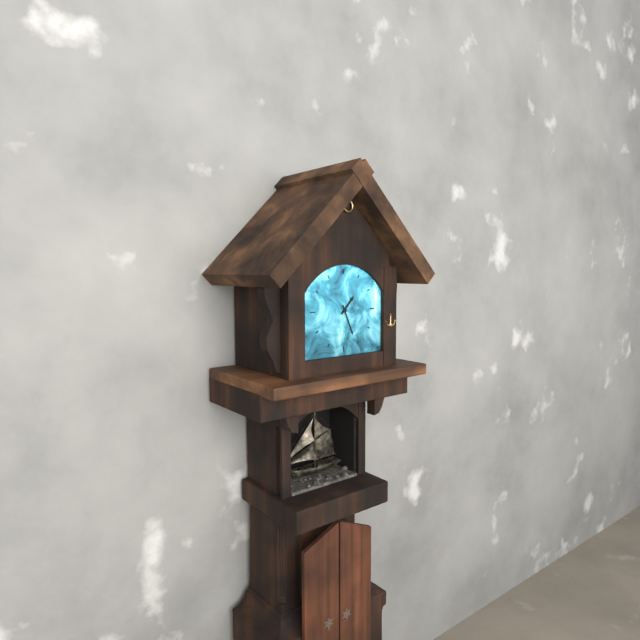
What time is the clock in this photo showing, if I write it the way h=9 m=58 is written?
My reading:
h=1 m=26
